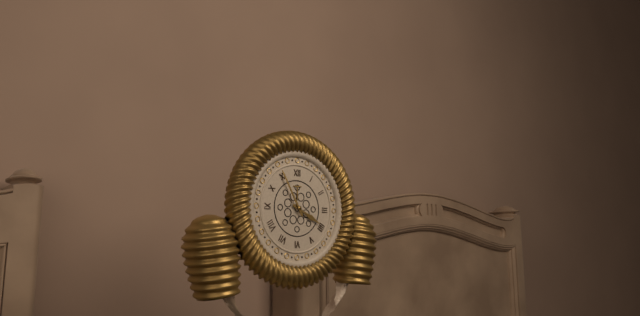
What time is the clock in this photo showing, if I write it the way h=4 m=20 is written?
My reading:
h=3 m=55
